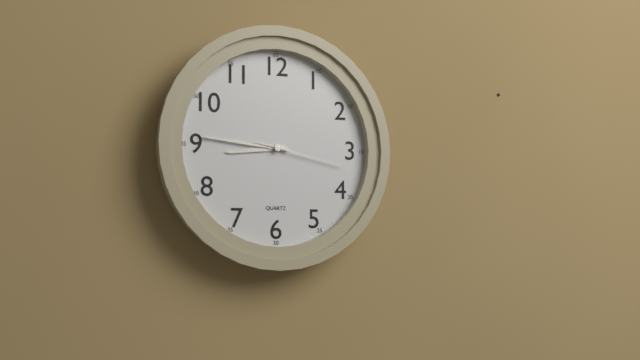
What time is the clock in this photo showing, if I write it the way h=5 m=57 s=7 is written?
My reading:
h=8 m=46 s=17
